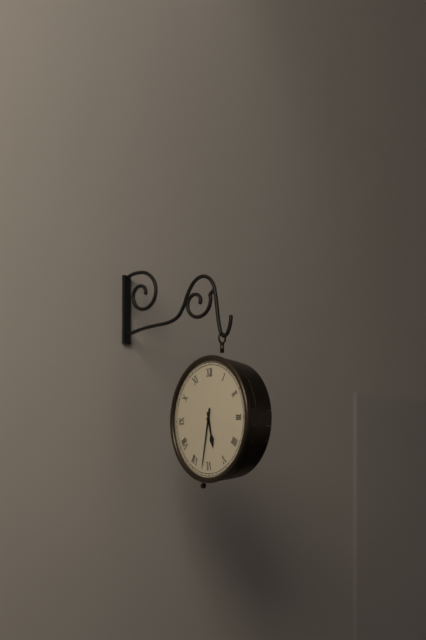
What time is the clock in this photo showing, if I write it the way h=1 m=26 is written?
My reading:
h=5 m=32
